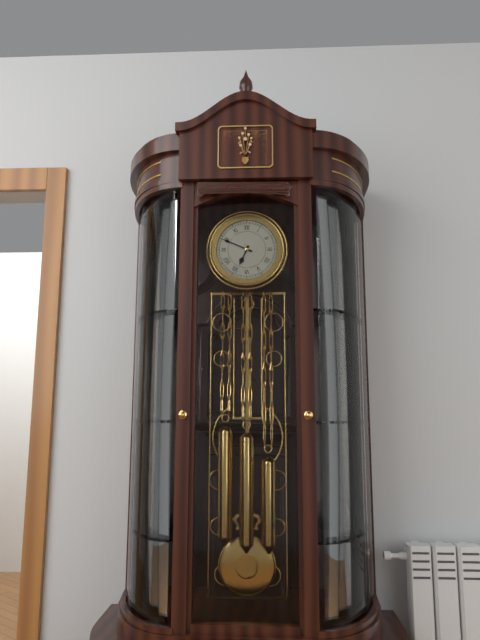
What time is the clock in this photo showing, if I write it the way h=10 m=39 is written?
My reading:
h=6 m=49
